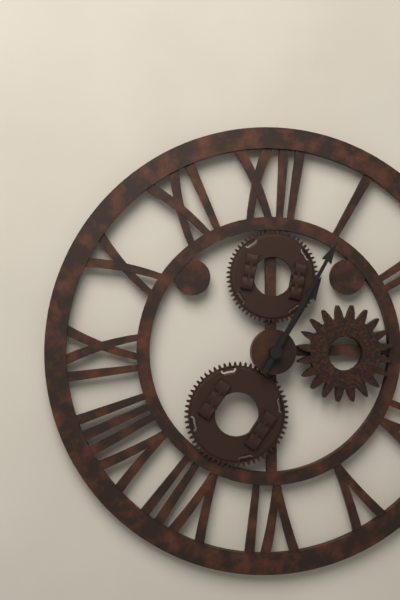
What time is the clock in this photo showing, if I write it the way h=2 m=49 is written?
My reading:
h=1 m=5
